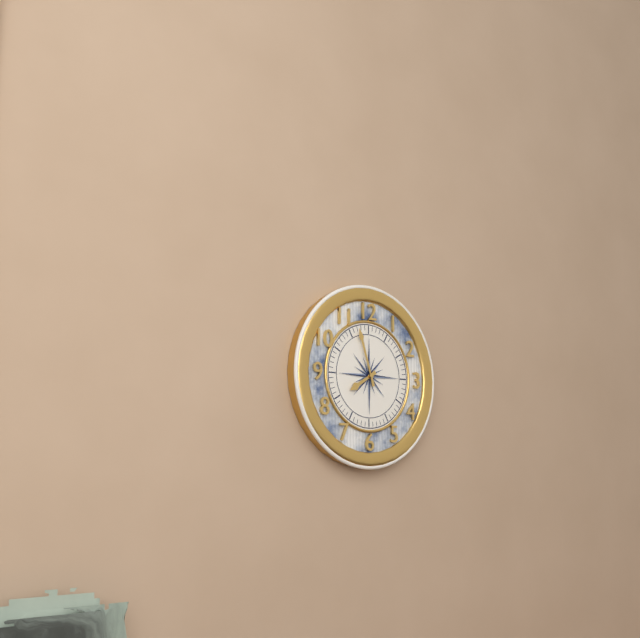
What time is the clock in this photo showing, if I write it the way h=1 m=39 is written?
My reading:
h=7 m=57
